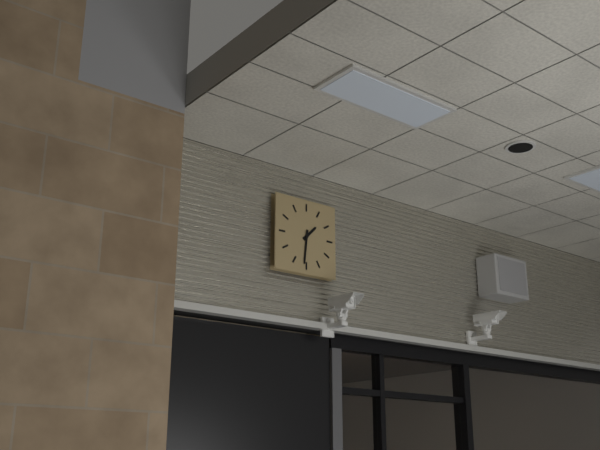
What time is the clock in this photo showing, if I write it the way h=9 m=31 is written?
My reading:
h=1 m=31
